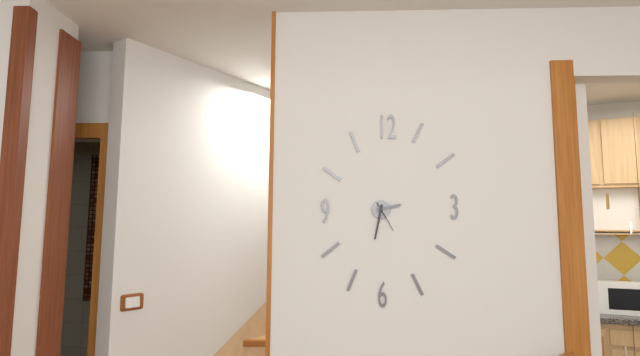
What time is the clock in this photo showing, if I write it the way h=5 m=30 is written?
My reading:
h=2 m=32
